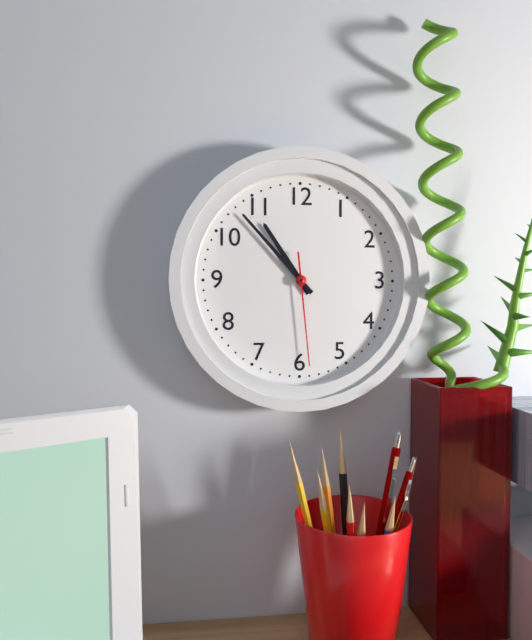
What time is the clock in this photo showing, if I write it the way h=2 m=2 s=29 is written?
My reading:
h=10 m=53 s=29
